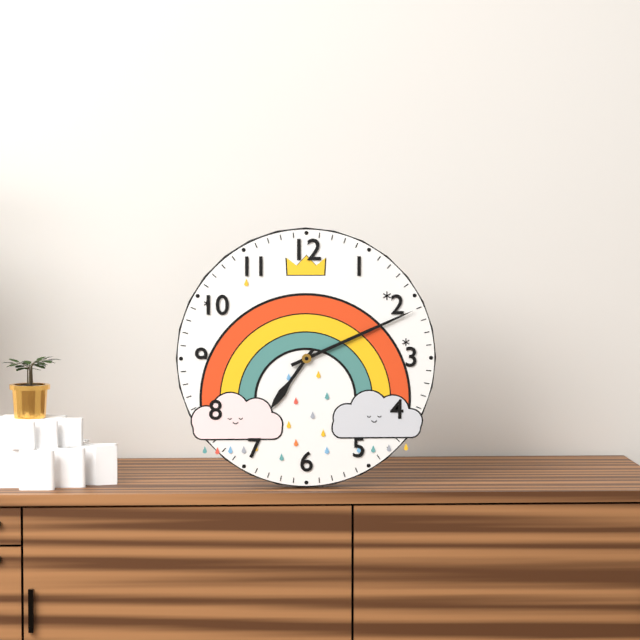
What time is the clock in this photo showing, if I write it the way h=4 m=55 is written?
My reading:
h=7 m=11
